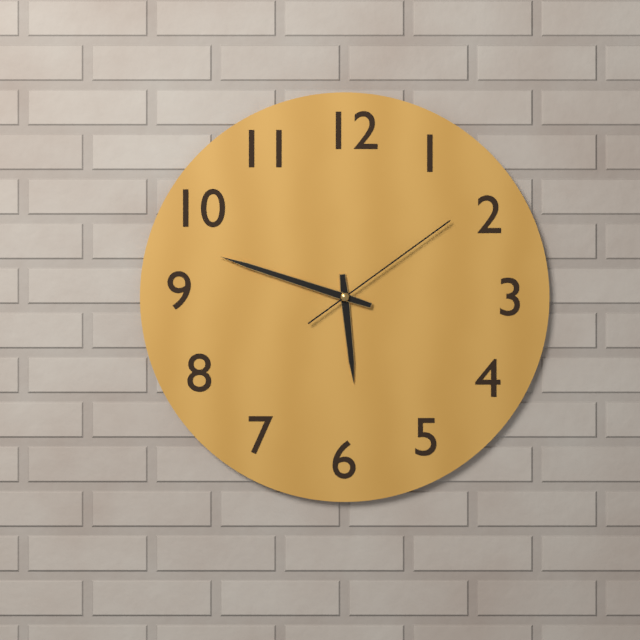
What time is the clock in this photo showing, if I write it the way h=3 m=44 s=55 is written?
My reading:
h=5 m=48 s=9
